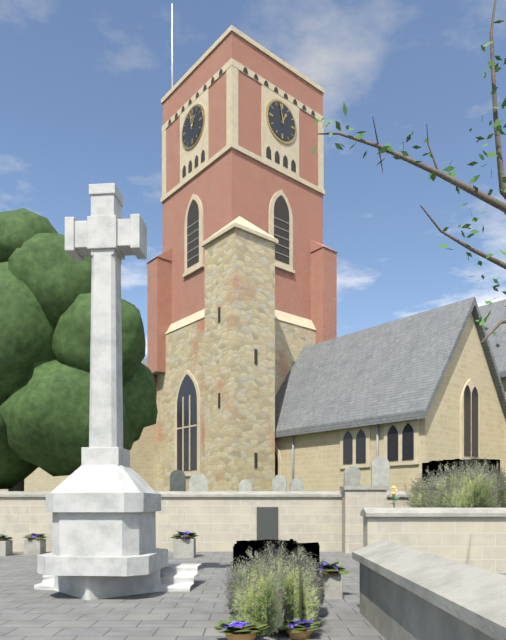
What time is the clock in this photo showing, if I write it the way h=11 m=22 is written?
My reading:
h=12 m=58
